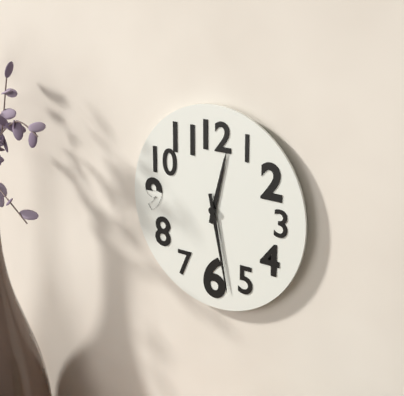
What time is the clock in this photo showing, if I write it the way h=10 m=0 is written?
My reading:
h=12 m=28
